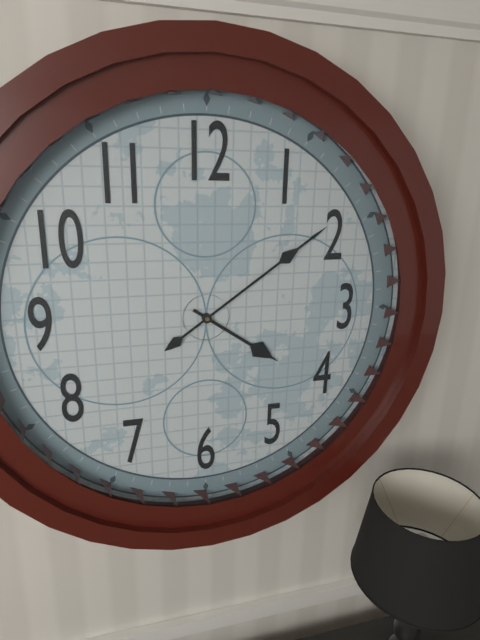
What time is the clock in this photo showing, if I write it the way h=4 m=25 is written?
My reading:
h=4 m=9
